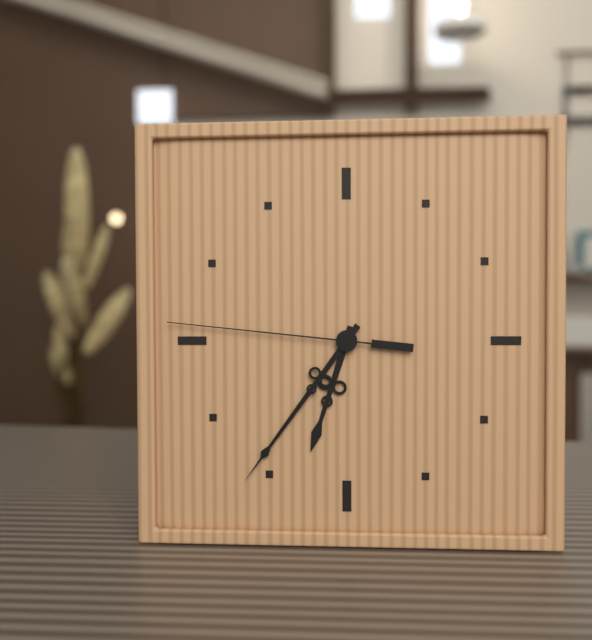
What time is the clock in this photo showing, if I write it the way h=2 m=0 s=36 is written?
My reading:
h=6 m=36 s=46
